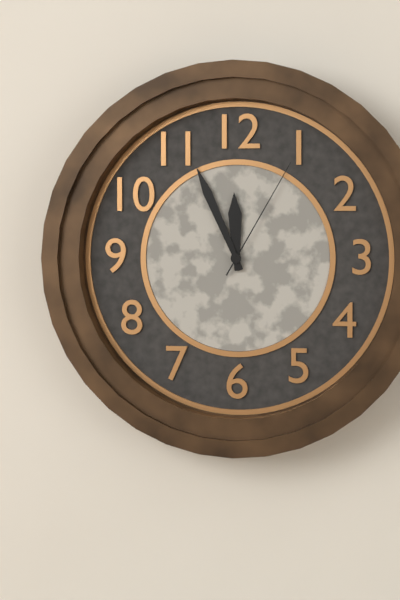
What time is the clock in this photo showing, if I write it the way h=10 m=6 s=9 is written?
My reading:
h=11 m=56 s=5
